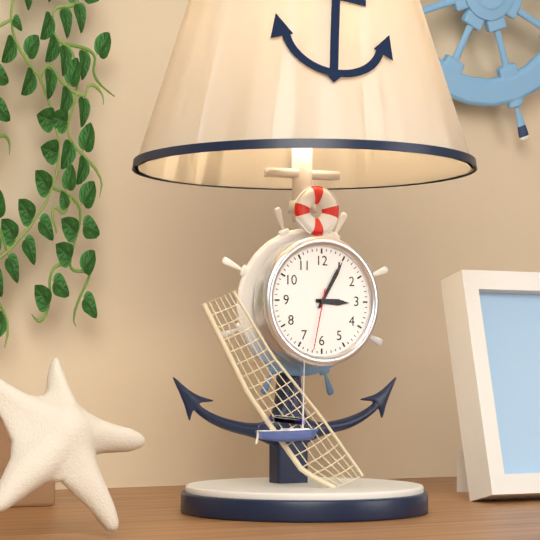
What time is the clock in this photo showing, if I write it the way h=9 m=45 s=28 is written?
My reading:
h=3 m=5 s=32
